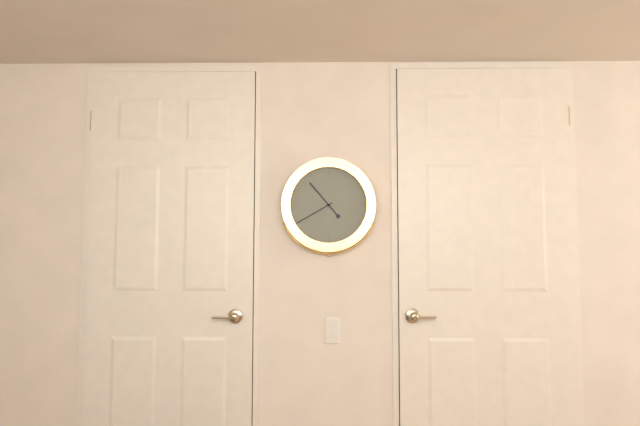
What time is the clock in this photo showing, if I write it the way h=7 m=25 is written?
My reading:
h=10 m=40
